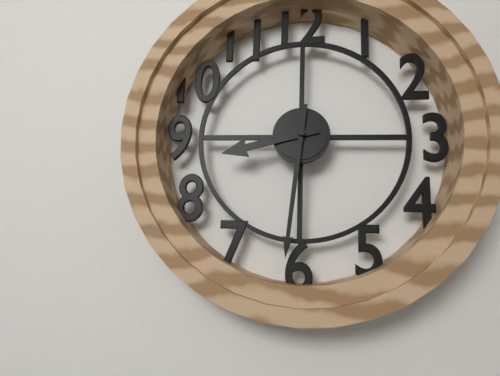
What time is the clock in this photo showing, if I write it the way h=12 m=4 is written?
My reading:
h=8 m=31
